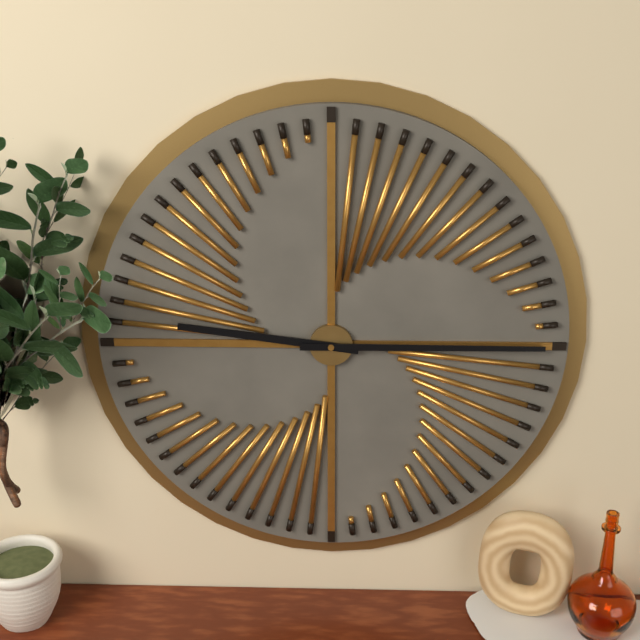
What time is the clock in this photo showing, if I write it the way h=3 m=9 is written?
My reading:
h=9 m=15
